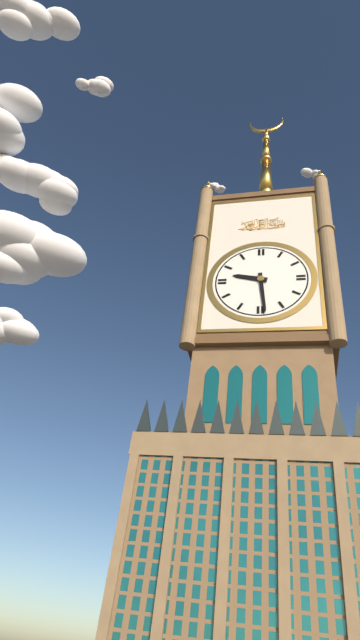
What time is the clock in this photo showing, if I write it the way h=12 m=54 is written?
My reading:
h=9 m=29
